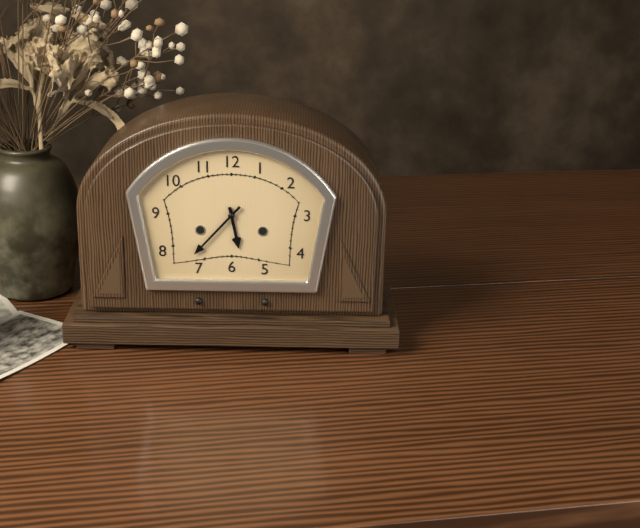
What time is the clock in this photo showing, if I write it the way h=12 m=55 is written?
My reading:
h=5 m=37
